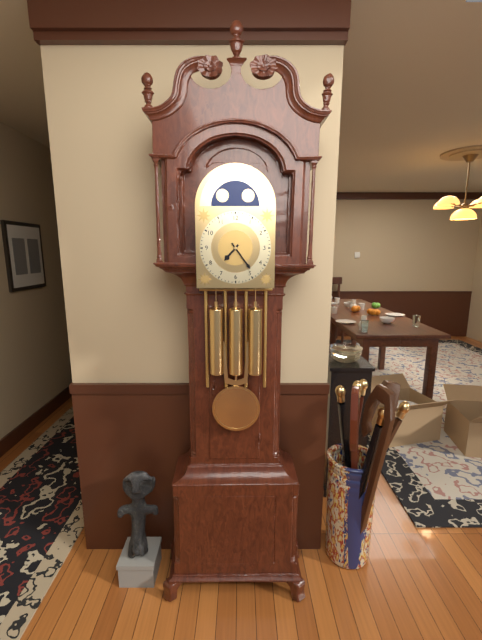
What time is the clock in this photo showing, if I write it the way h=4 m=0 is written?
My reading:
h=7 m=24
